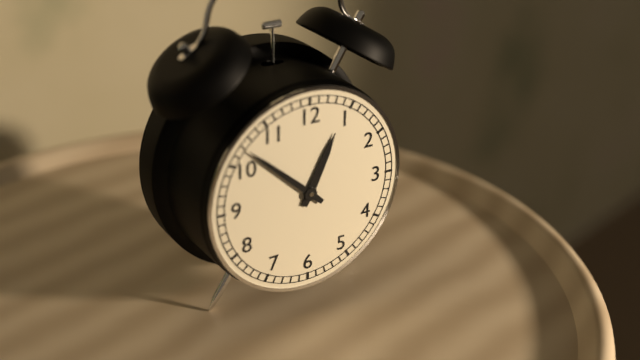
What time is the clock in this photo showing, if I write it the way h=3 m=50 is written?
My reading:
h=12 m=52
